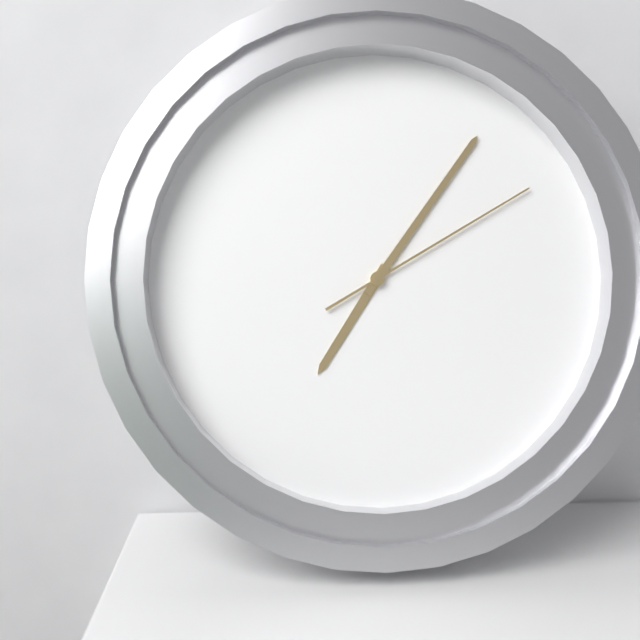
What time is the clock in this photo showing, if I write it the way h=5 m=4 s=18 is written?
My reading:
h=7 m=6 s=10
